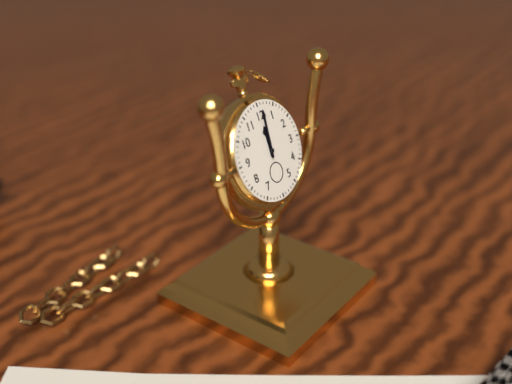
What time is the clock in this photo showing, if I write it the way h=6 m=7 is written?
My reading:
h=12 m=1
